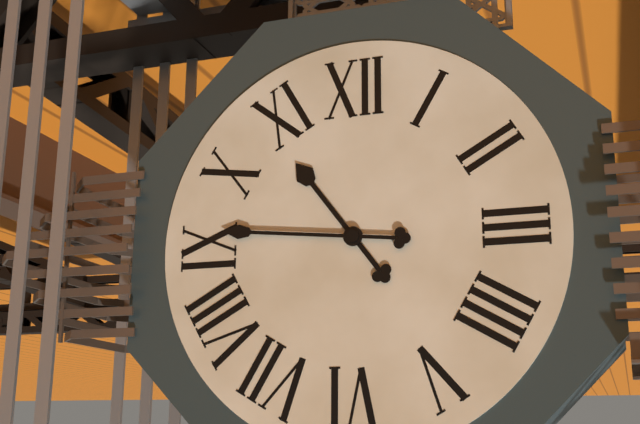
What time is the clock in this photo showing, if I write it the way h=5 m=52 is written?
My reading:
h=10 m=46
